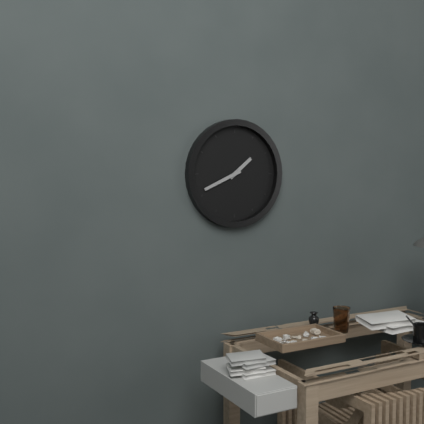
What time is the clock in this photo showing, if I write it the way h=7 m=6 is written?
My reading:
h=1 m=41
